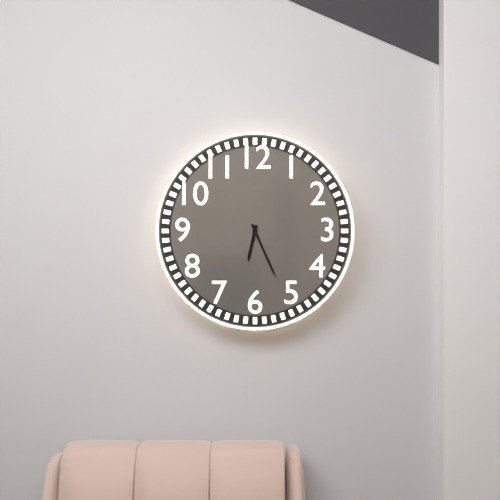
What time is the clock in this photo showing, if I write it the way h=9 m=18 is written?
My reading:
h=6 m=26
